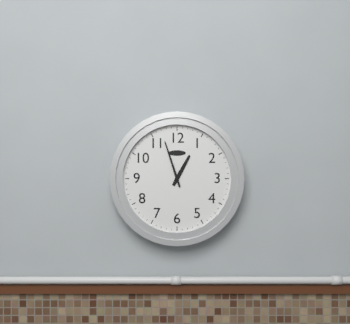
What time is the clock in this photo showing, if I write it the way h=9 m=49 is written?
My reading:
h=12 m=57
